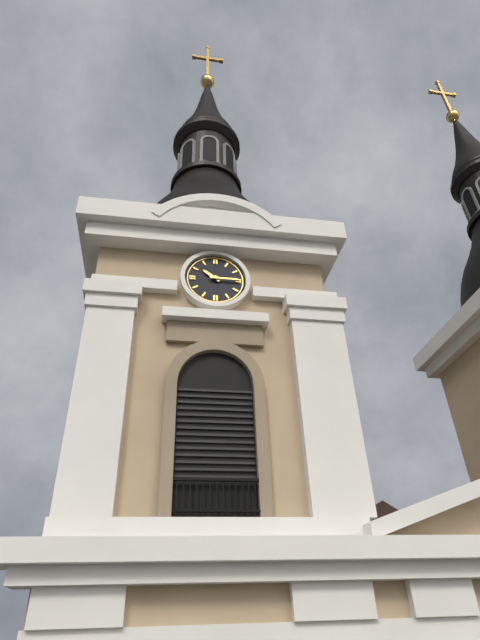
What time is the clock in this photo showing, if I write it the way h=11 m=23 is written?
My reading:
h=10 m=15
